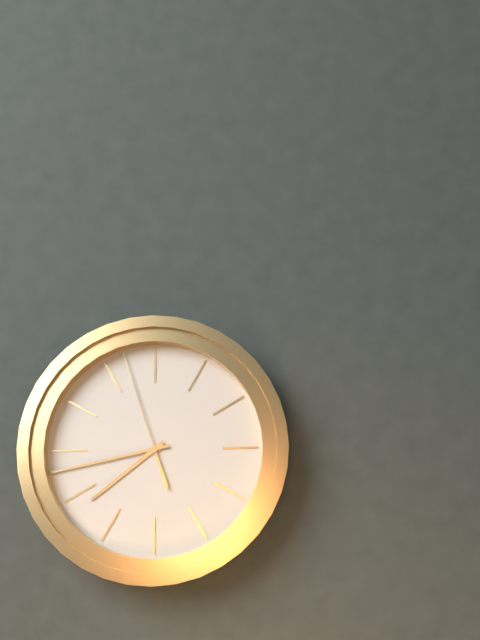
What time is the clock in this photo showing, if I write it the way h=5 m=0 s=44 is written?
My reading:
h=7 m=43 s=57
